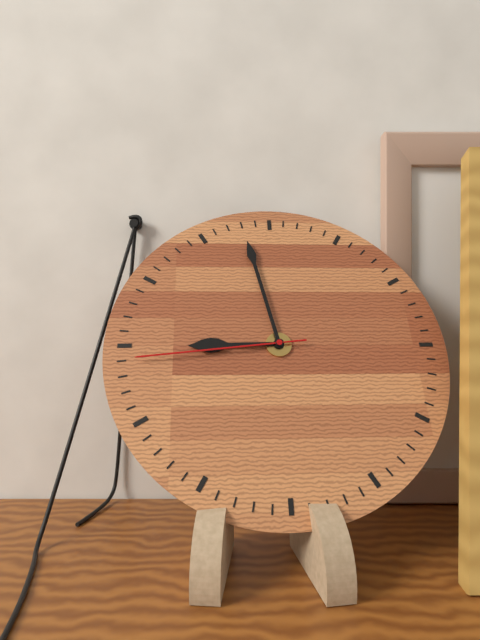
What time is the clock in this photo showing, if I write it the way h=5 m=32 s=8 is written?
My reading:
h=8 m=58 s=44
